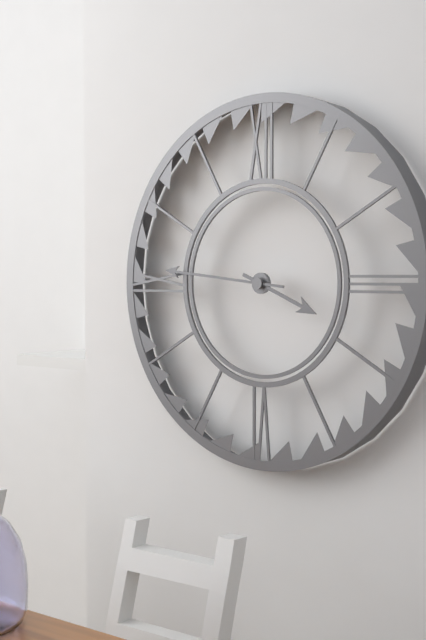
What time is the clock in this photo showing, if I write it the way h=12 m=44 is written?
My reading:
h=3 m=46
